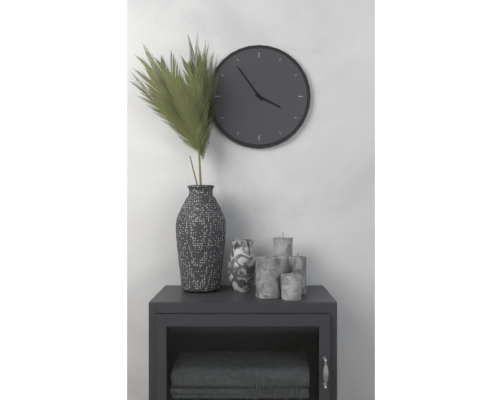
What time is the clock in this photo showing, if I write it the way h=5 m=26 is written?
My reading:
h=3 m=54
